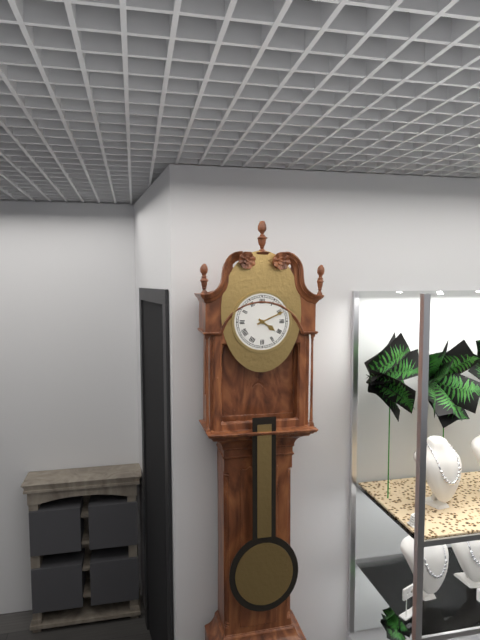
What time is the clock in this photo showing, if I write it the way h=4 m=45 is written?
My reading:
h=4 m=11
